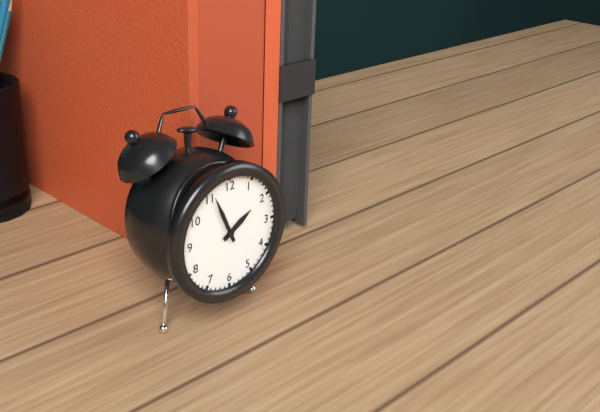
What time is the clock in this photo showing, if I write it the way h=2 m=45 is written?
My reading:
h=1 m=56
